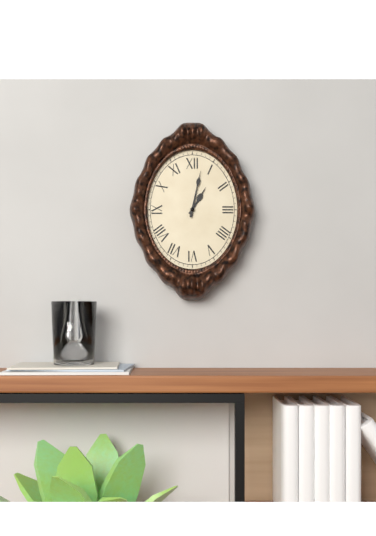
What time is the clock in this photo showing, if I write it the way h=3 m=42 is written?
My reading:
h=1 m=2
